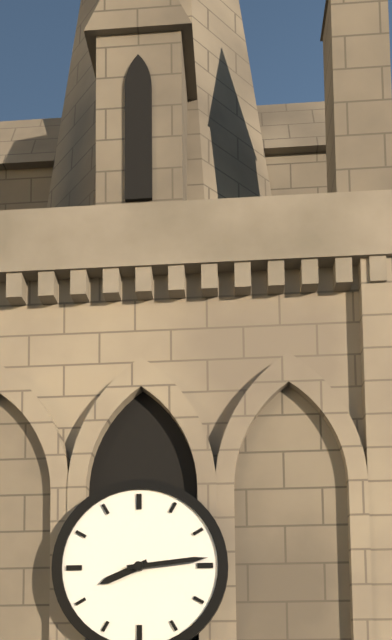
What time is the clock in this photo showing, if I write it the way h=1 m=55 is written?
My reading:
h=8 m=14
